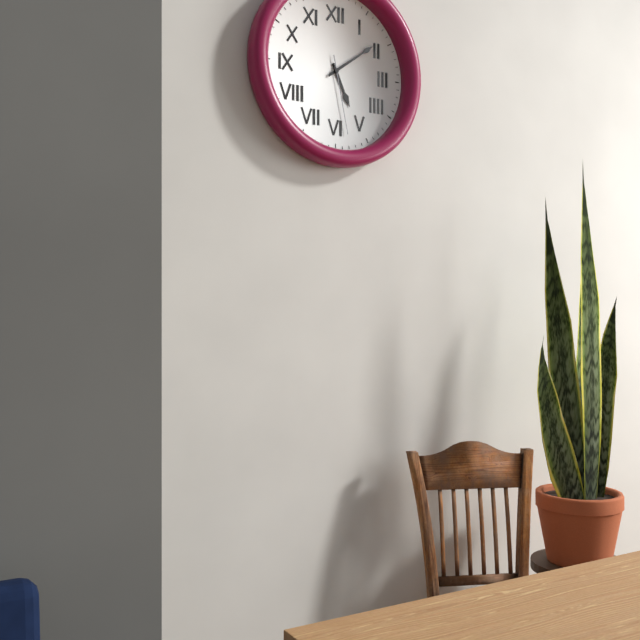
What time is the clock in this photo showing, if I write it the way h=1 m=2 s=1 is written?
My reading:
h=5 m=9 s=28
